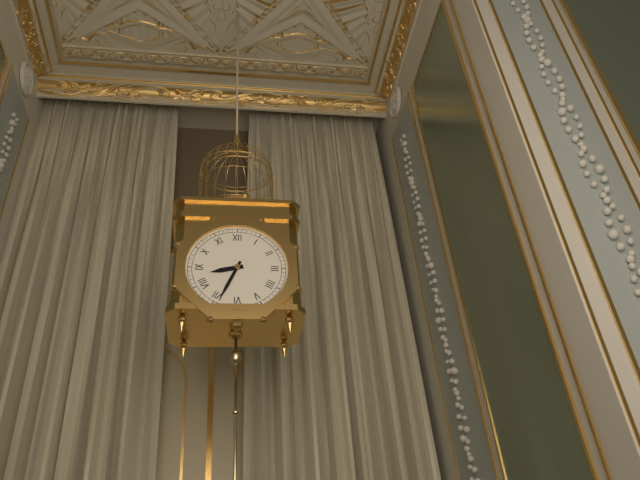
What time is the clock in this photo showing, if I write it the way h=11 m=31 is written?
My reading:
h=8 m=34
